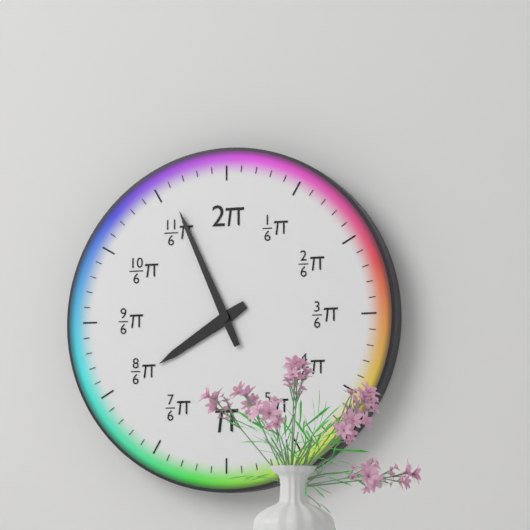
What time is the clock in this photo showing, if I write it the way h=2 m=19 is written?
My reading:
h=7 m=56
